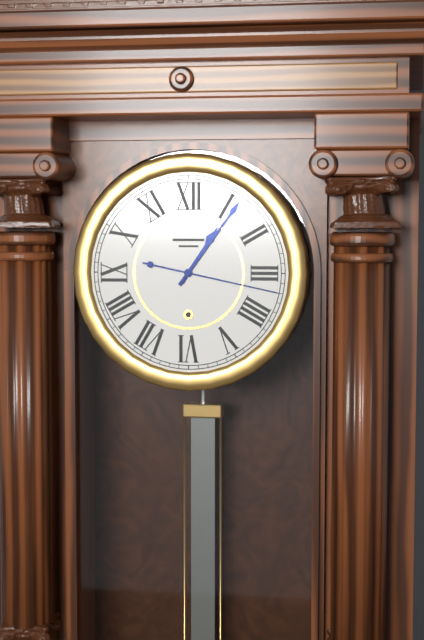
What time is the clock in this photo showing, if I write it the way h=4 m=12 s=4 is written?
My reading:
h=1 m=6 s=17
